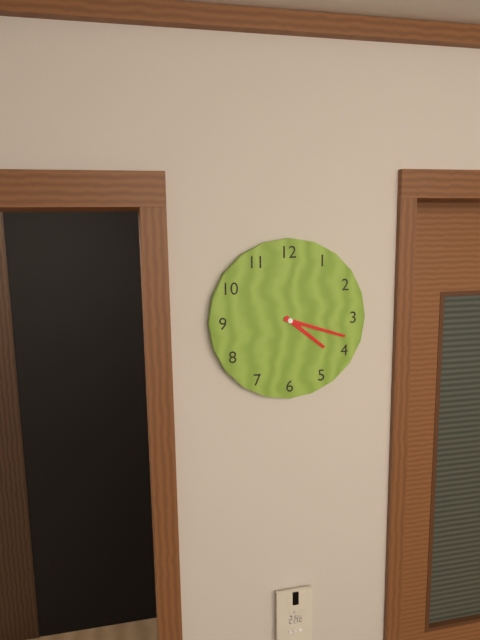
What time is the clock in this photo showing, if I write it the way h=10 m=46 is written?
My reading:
h=4 m=18
